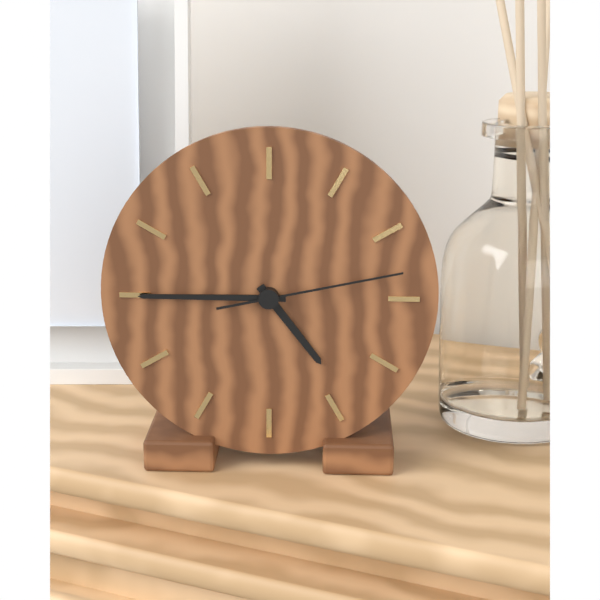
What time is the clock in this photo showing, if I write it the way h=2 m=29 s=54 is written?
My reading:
h=4 m=45 s=13
